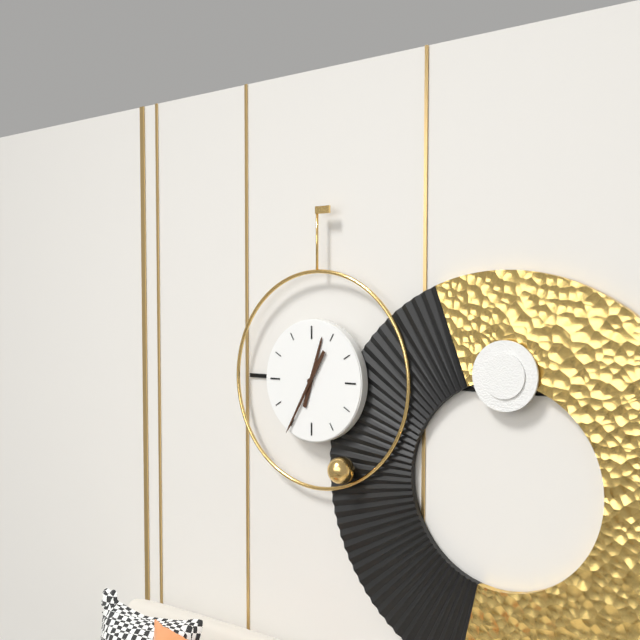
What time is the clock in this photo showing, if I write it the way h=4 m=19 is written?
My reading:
h=12 m=35
